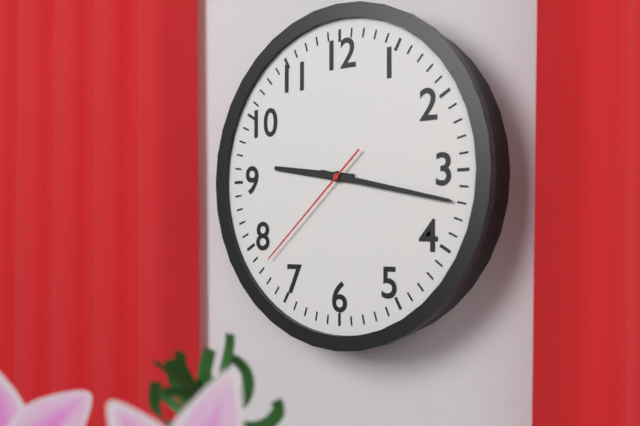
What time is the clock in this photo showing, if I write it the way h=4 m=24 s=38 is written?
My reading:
h=9 m=17 s=38
